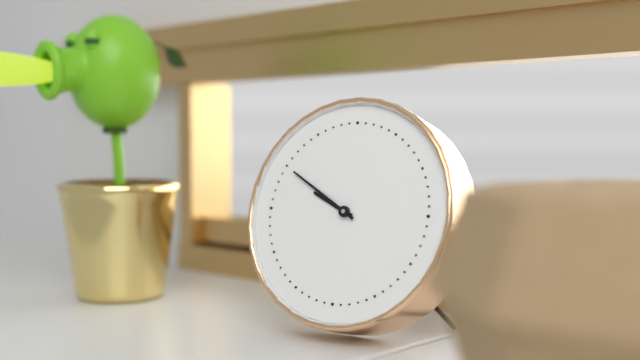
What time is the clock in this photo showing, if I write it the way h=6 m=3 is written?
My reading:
h=9 m=50
